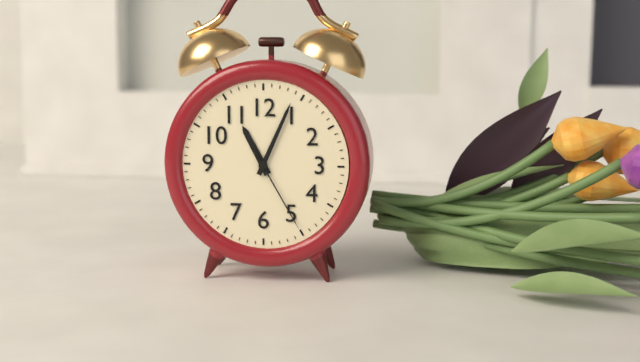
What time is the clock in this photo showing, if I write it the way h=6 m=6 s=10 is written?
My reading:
h=11 m=4 s=25
